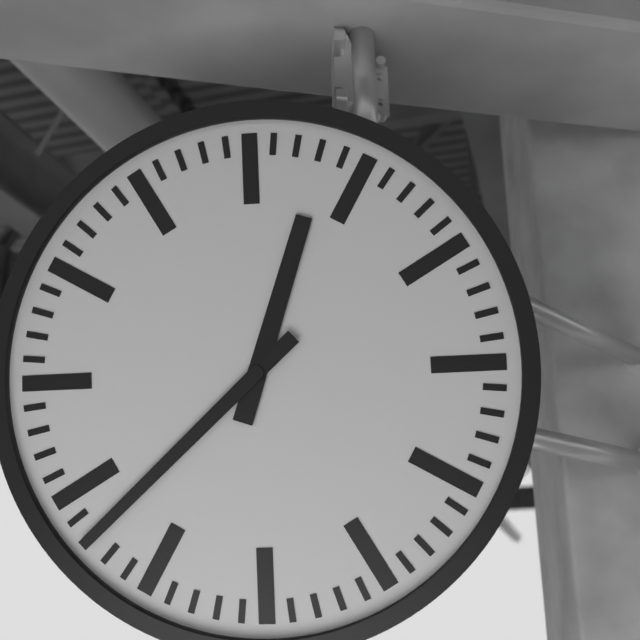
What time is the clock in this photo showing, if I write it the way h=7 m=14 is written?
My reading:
h=12 m=38
